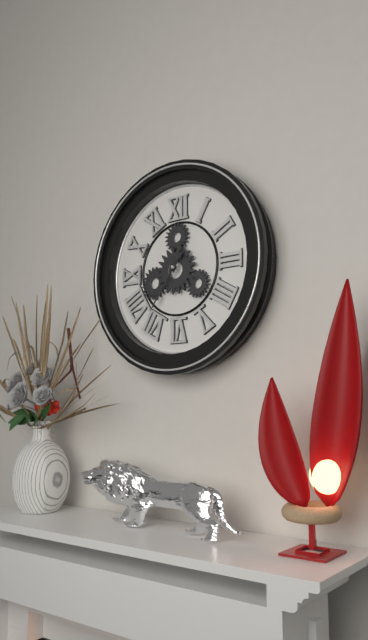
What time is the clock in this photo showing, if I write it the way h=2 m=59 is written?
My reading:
h=12 m=36
